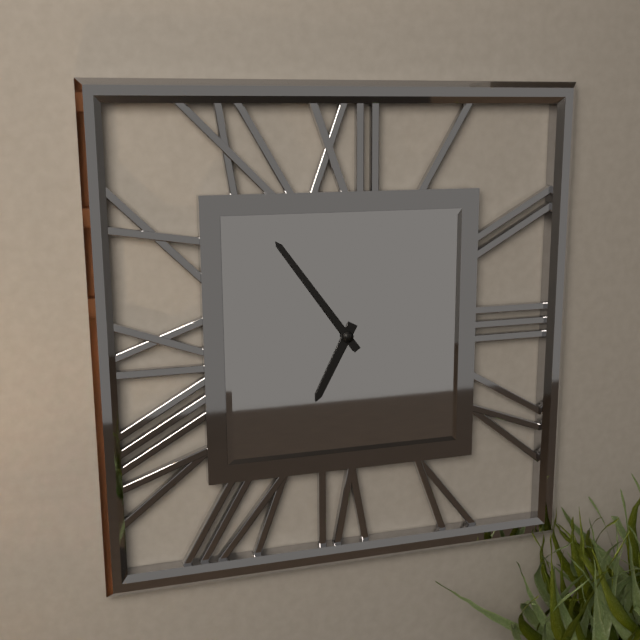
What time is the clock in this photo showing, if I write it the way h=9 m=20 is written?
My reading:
h=6 m=54
